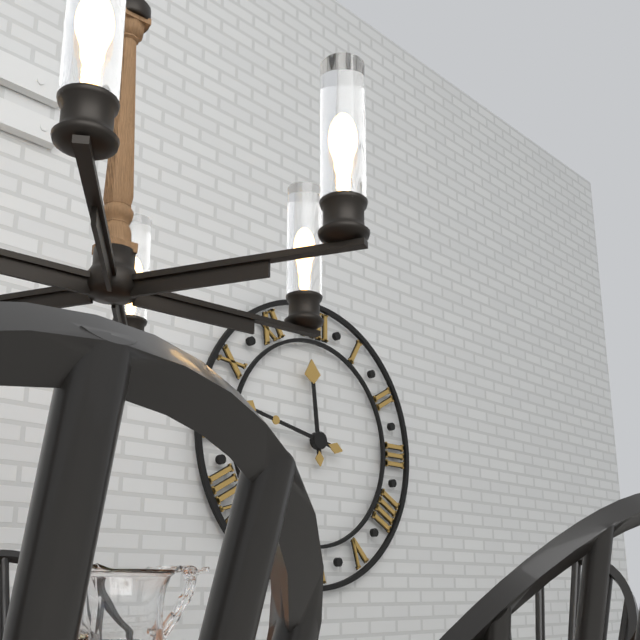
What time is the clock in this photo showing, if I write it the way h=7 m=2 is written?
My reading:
h=11 m=47
